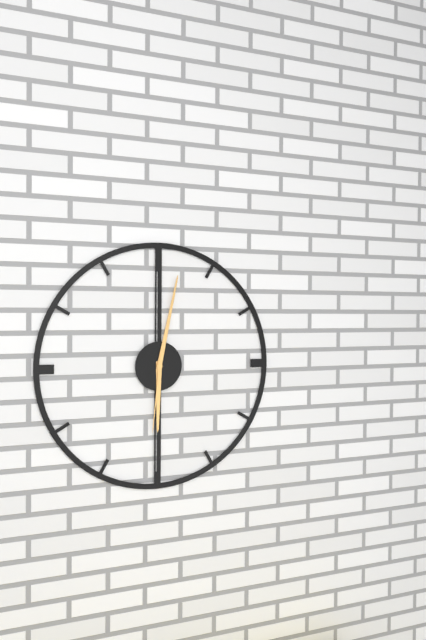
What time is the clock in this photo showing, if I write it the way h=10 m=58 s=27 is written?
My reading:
h=6 m=2 s=31
